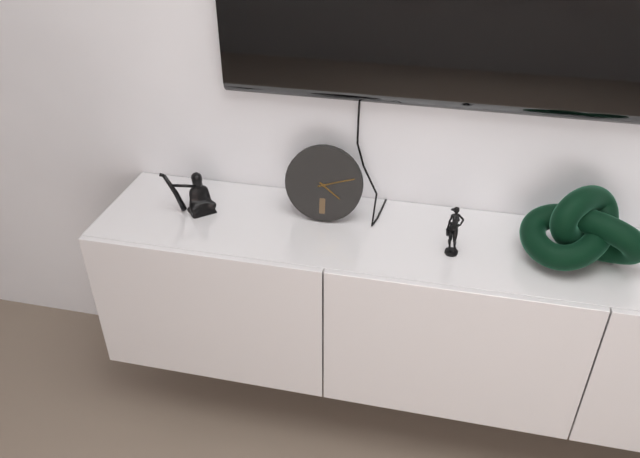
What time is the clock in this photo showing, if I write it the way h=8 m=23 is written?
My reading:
h=4 m=12
